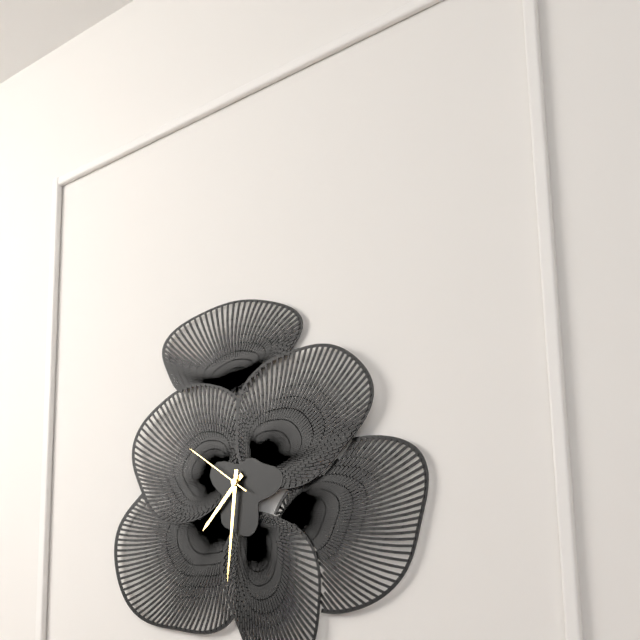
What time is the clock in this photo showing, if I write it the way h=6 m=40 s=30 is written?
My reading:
h=7 m=31 s=51
